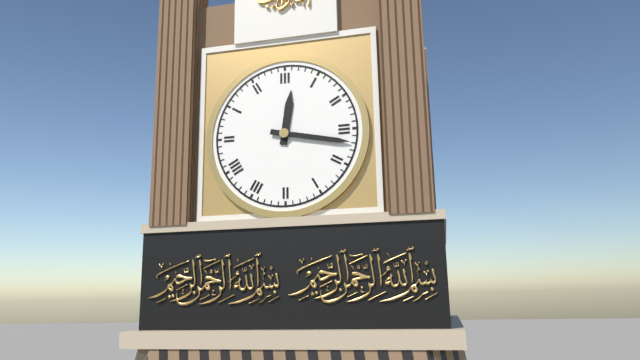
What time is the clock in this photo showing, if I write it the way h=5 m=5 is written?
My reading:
h=12 m=17
